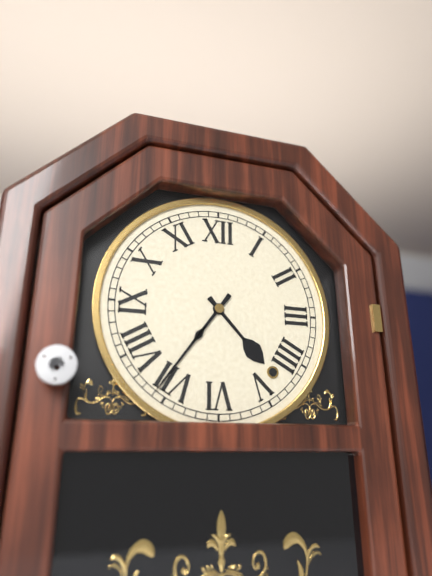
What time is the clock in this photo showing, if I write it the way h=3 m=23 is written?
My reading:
h=4 m=36
